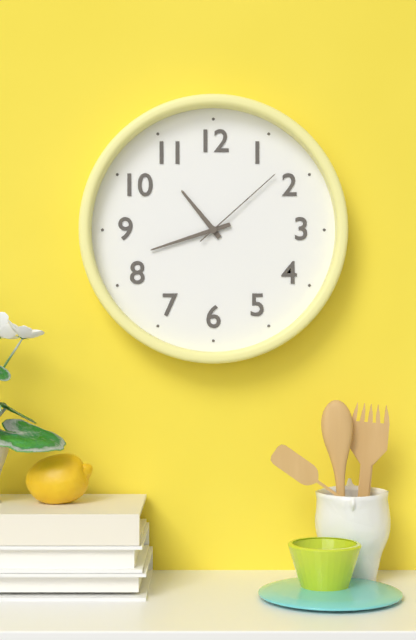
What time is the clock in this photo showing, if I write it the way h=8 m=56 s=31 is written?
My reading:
h=10 m=42 s=8
